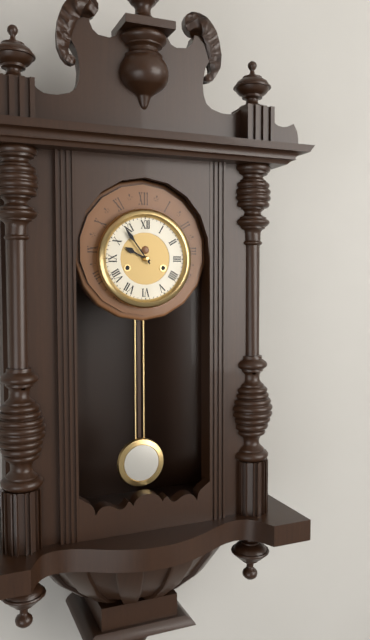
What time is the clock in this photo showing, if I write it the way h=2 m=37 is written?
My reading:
h=9 m=54
